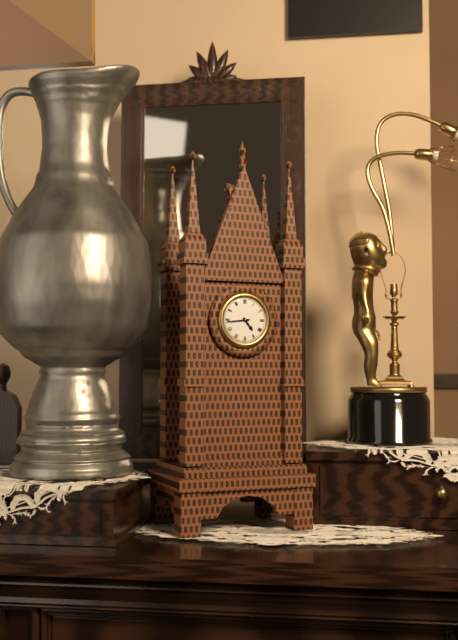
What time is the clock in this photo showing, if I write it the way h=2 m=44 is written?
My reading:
h=4 m=44
